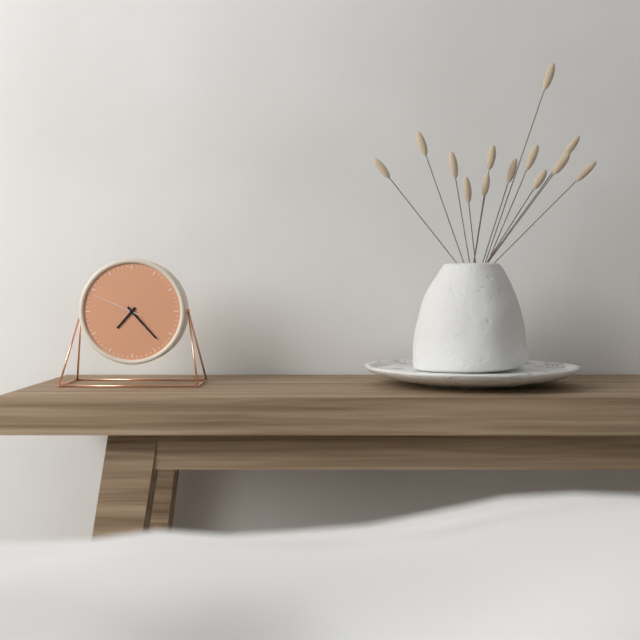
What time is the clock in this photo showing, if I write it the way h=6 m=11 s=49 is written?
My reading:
h=7 m=23 s=49
